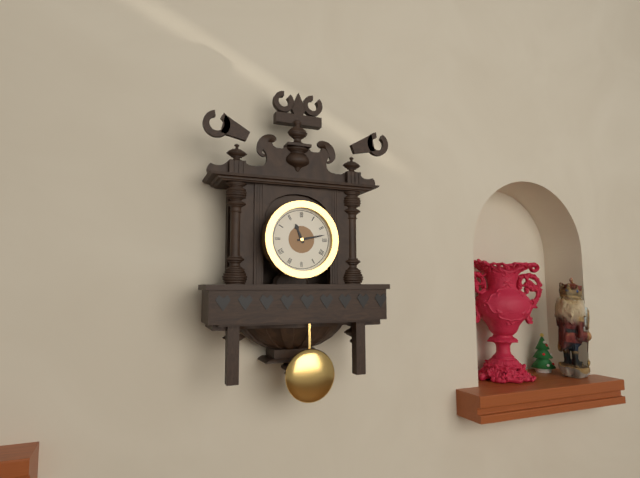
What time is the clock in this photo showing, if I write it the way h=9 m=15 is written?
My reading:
h=11 m=13
